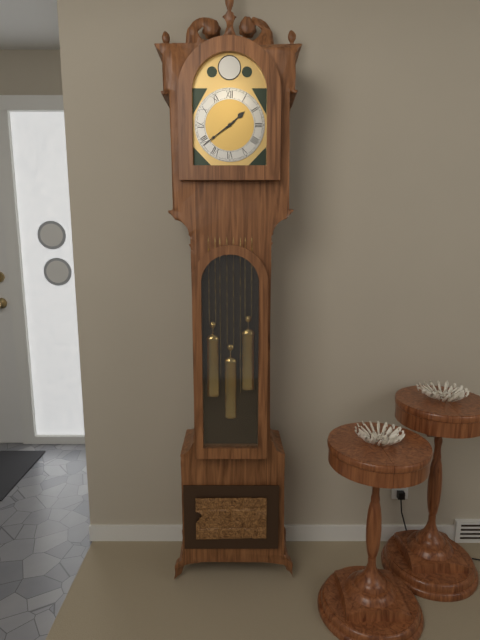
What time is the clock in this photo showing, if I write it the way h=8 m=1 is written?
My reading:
h=1 m=39
